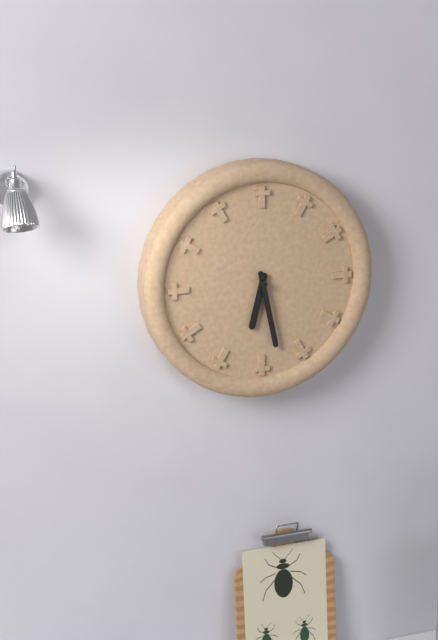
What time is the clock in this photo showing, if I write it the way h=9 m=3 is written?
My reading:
h=6 m=28
